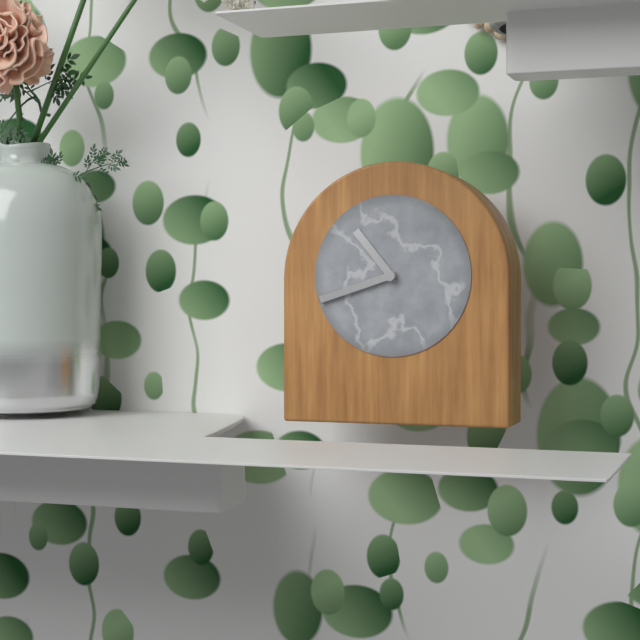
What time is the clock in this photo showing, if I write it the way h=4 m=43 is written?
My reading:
h=10 m=42
